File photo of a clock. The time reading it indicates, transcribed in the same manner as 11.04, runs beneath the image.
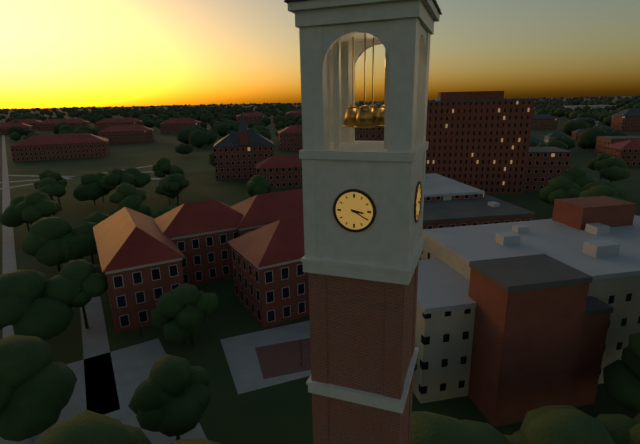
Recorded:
3.20
